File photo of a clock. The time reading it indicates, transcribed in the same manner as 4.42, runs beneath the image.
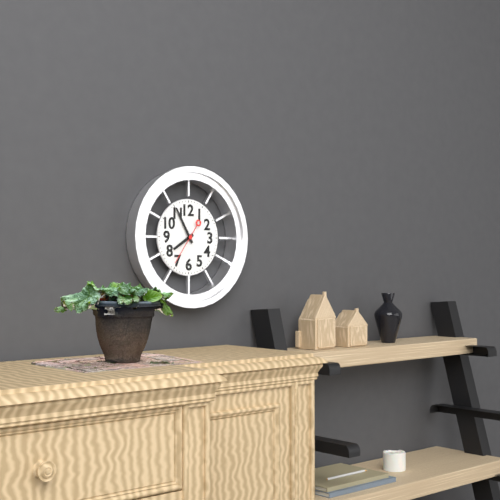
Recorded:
7.55
